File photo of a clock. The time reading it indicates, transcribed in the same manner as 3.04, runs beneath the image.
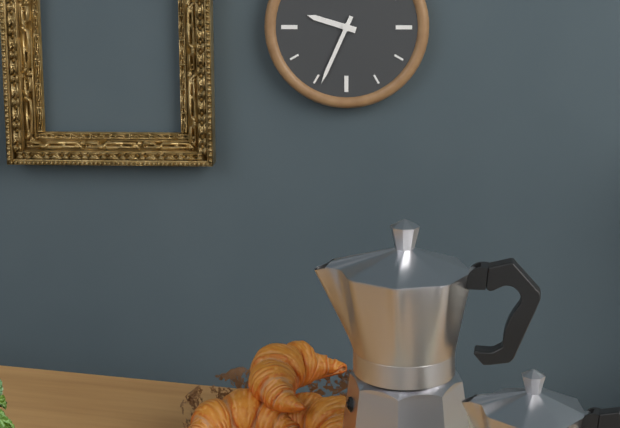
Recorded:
9.34
